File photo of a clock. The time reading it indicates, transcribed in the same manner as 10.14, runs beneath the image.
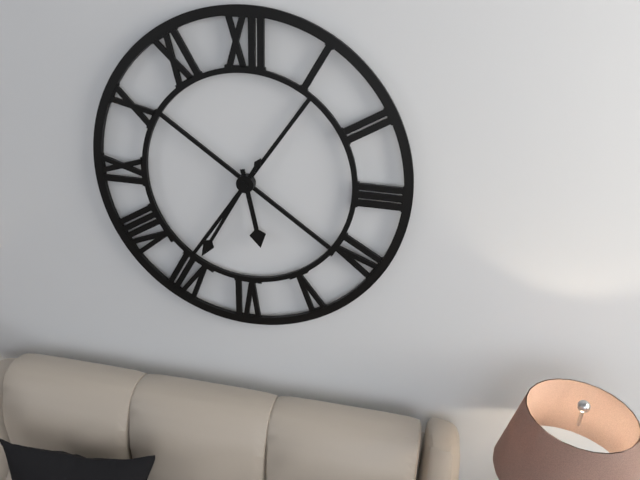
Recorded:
5.35
